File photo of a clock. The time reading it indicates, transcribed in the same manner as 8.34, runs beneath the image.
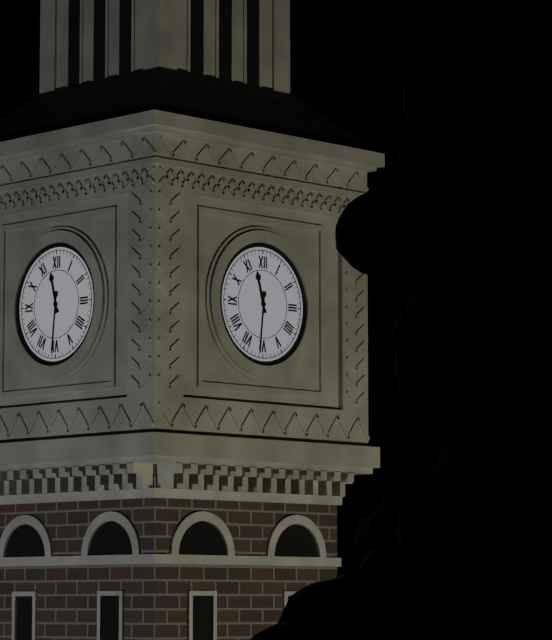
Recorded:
11.31
